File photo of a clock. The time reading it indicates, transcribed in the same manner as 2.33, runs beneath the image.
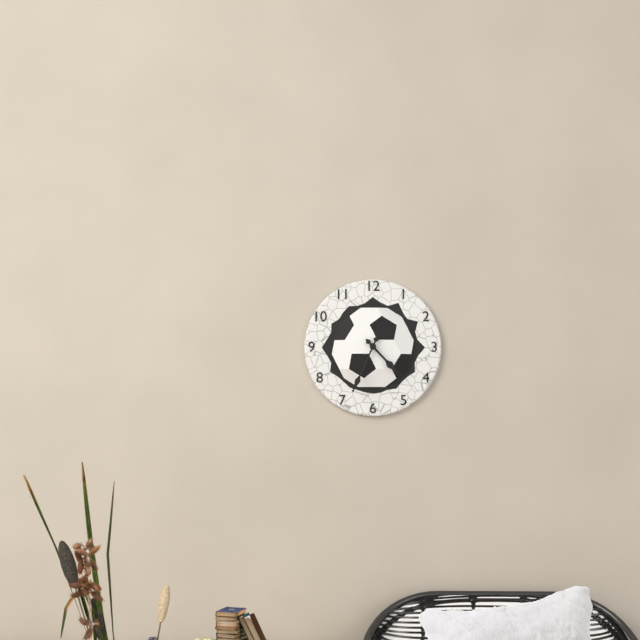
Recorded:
4.34
